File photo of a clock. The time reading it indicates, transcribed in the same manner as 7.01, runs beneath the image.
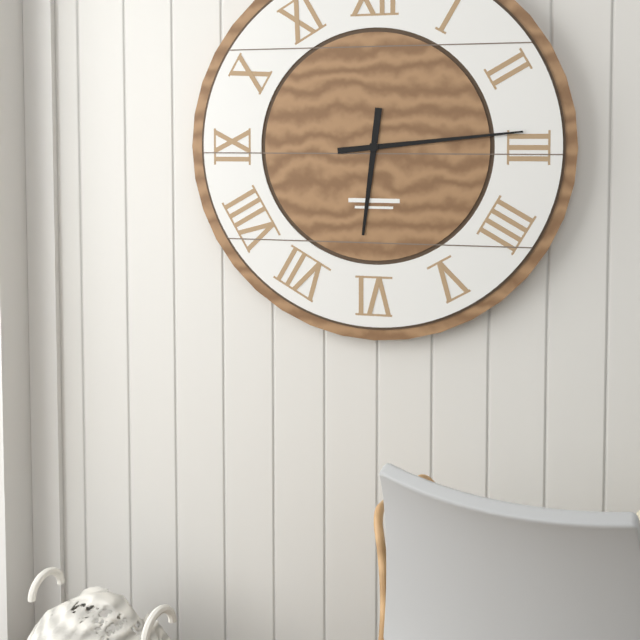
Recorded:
6.14
